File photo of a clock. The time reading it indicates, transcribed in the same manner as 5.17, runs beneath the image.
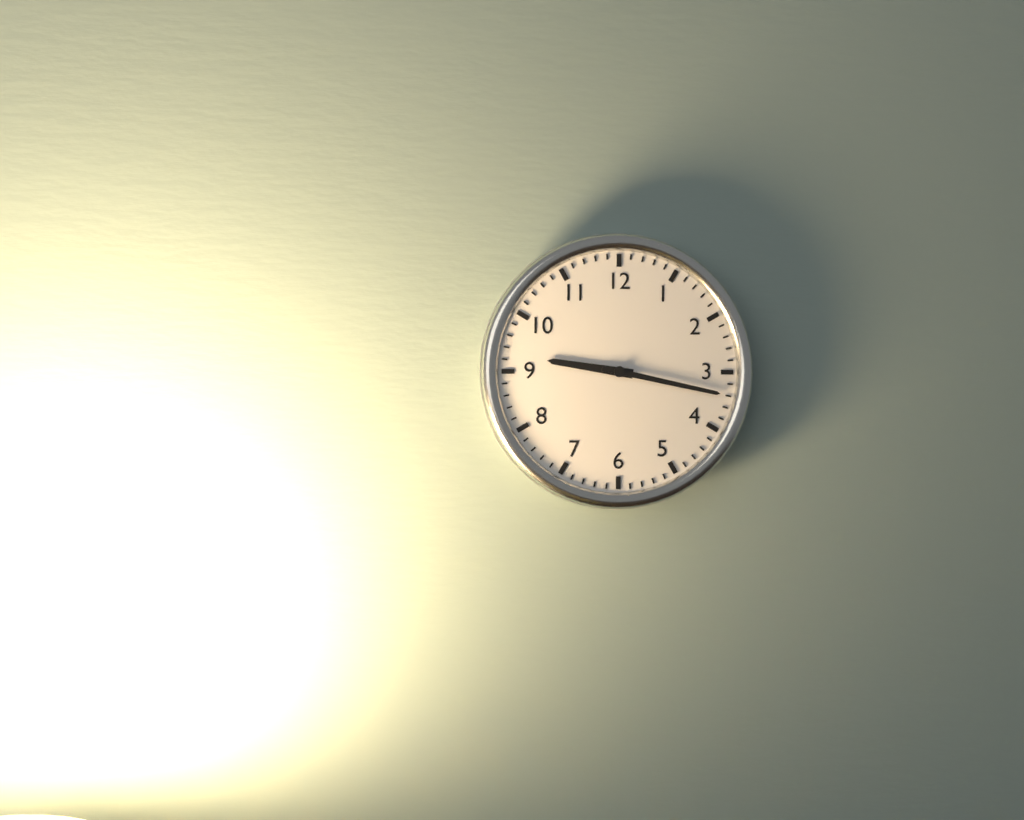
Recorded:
9.17
